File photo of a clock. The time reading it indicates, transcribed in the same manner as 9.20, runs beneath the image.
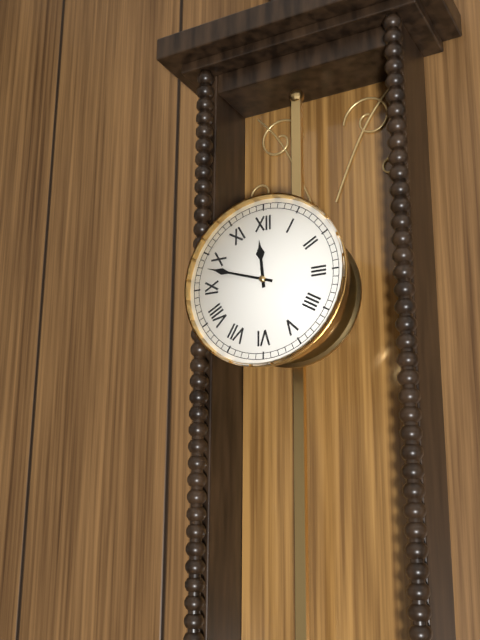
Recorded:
11.48
